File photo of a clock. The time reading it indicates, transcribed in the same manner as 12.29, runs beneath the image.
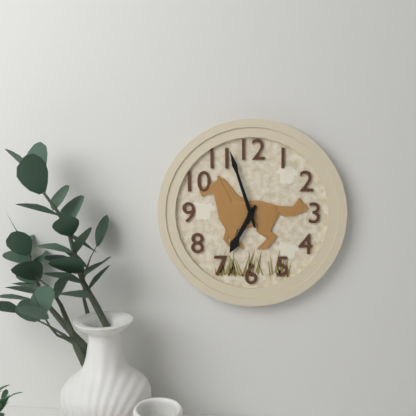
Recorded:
6.57
